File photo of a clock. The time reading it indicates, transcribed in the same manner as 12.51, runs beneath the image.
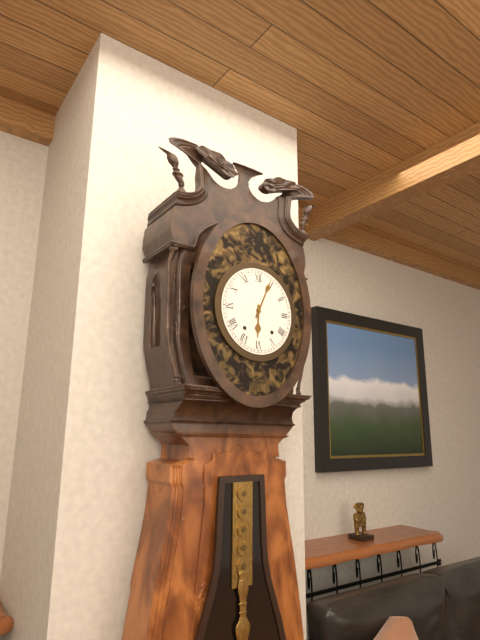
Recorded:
6.04
